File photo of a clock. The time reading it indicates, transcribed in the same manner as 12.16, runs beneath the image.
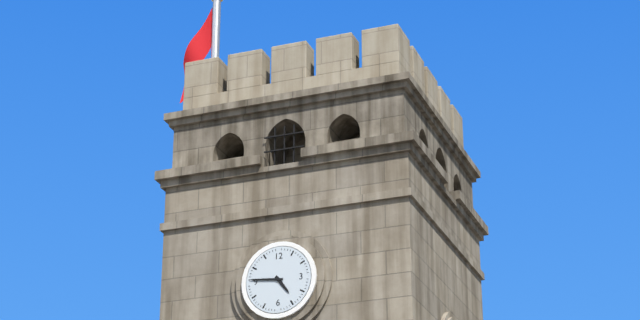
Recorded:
4.46
